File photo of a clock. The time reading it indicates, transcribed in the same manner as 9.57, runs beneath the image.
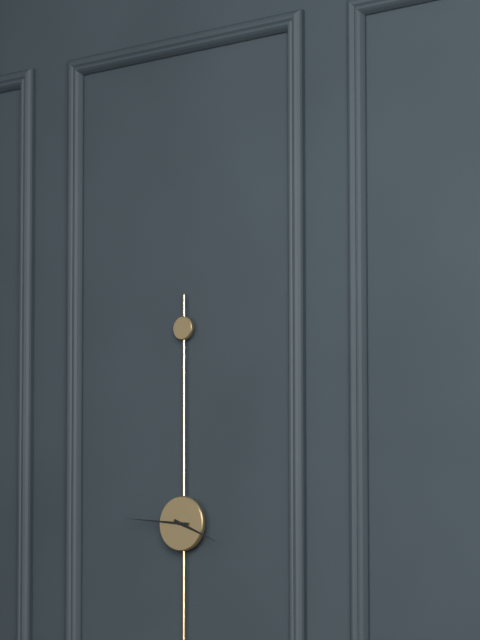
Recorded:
3.46
